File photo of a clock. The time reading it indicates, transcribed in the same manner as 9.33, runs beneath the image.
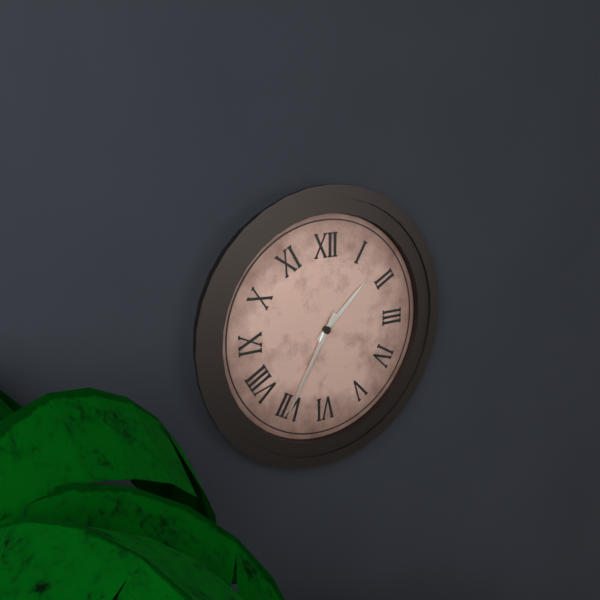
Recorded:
1.35
